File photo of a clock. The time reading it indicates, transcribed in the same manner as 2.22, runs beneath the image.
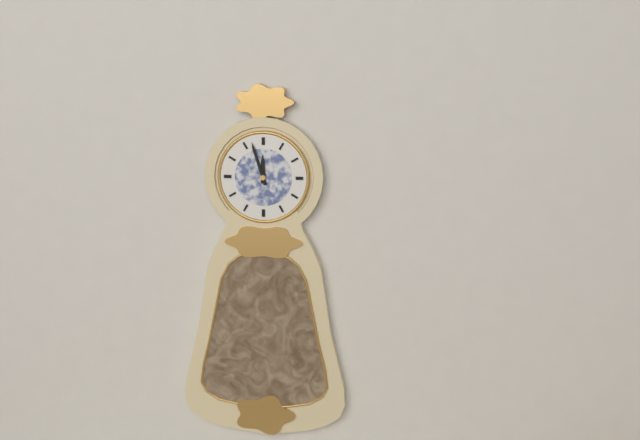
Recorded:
11.57
